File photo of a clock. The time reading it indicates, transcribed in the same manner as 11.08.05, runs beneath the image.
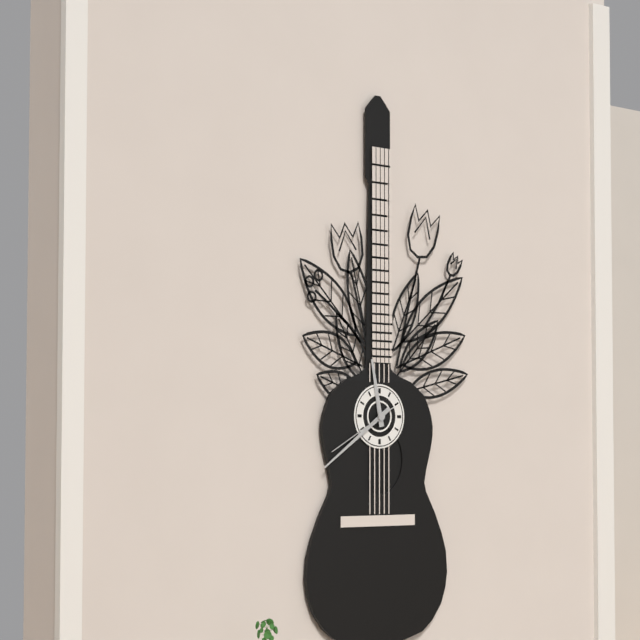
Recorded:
11.39.40
